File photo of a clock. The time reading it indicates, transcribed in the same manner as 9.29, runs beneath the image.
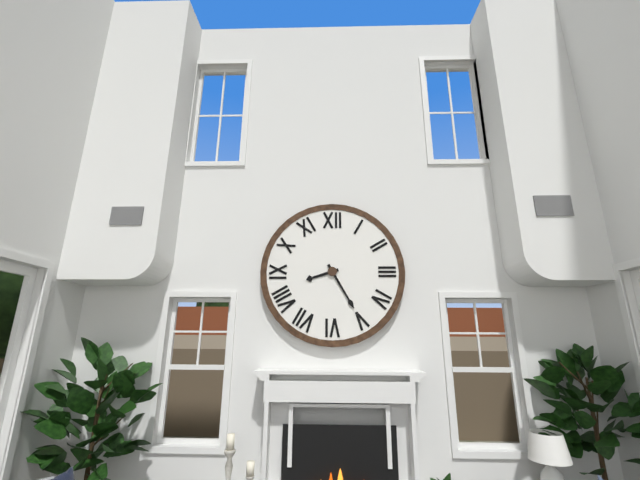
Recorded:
8.25
